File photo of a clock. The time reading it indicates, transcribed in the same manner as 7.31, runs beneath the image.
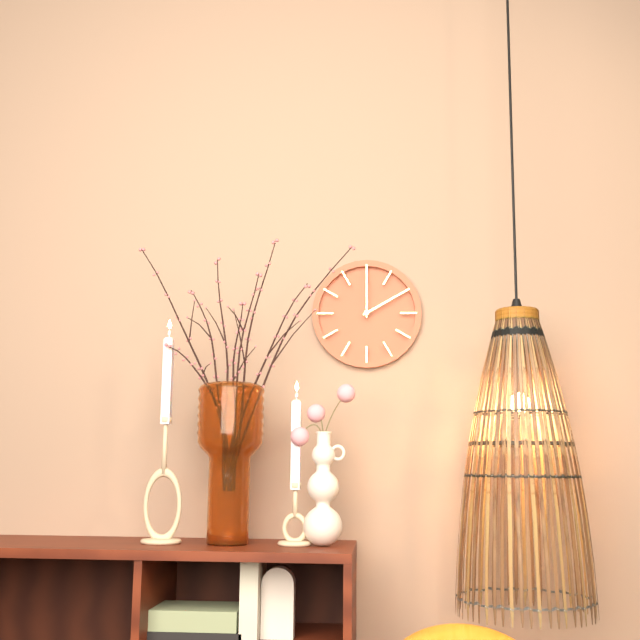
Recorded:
2.00
